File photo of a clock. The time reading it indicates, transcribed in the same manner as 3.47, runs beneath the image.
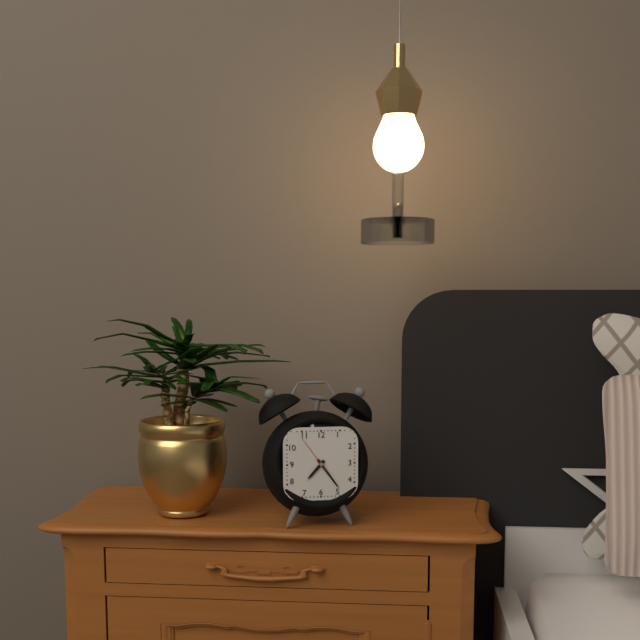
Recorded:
7.24
